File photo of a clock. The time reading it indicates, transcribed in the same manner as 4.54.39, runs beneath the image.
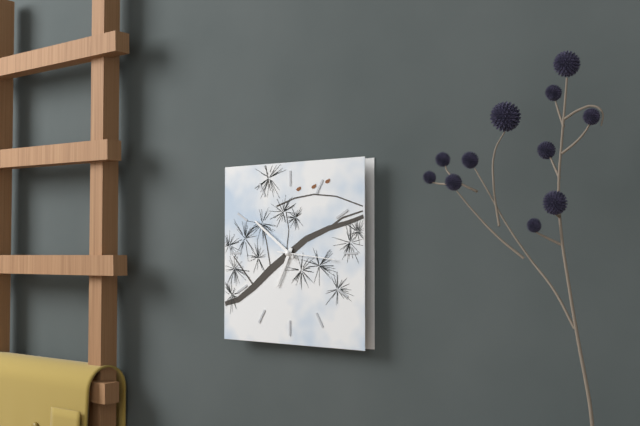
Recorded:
6.51.16
